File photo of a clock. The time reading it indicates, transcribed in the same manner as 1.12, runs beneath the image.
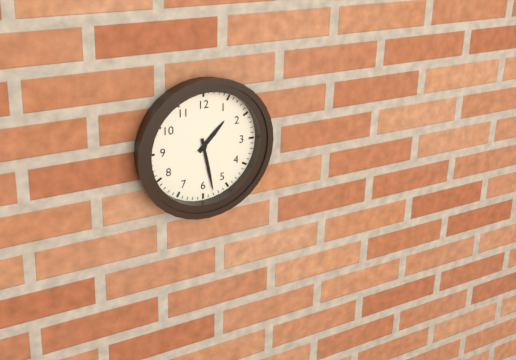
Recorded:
1.28
